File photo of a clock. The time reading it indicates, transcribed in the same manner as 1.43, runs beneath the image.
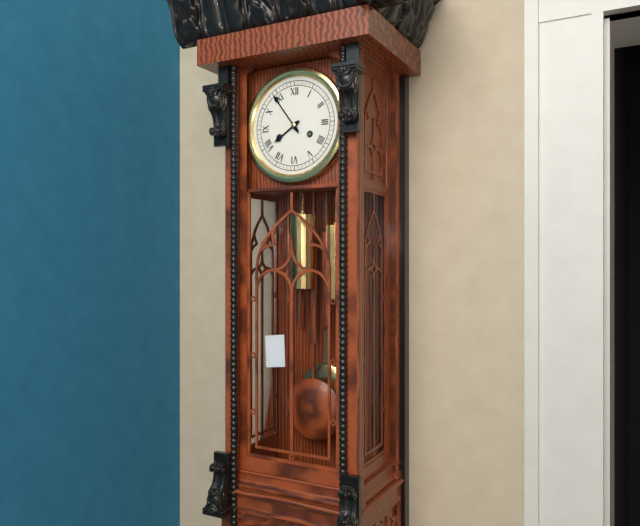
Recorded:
7.54
